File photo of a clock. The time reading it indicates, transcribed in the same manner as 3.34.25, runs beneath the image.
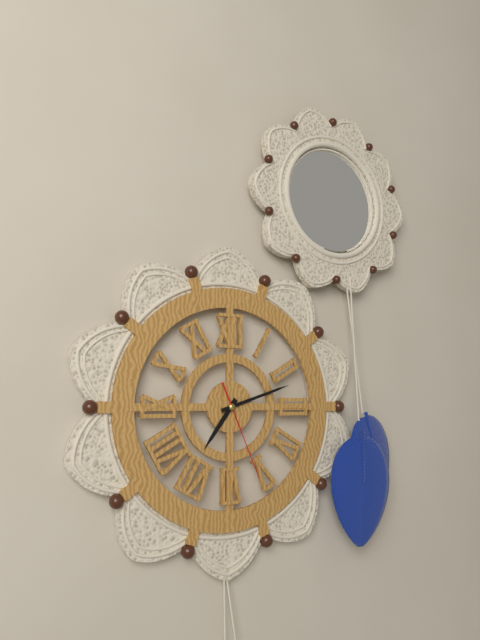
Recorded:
7.12.26
